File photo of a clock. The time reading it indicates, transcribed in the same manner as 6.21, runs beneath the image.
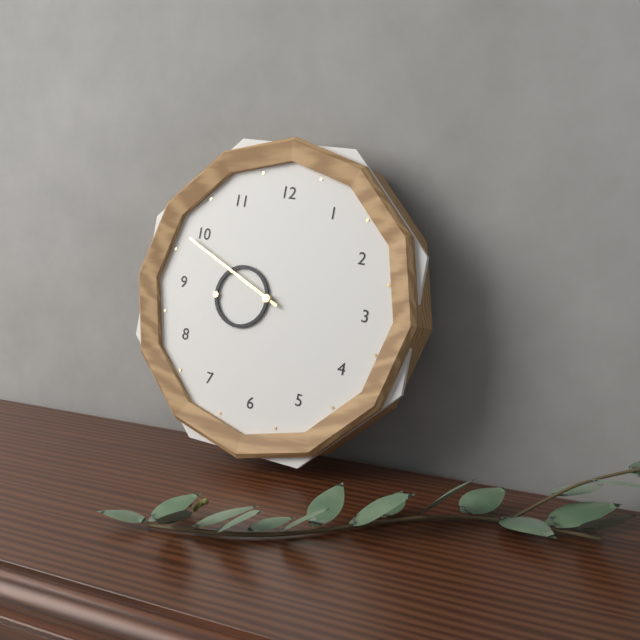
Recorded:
8.49
